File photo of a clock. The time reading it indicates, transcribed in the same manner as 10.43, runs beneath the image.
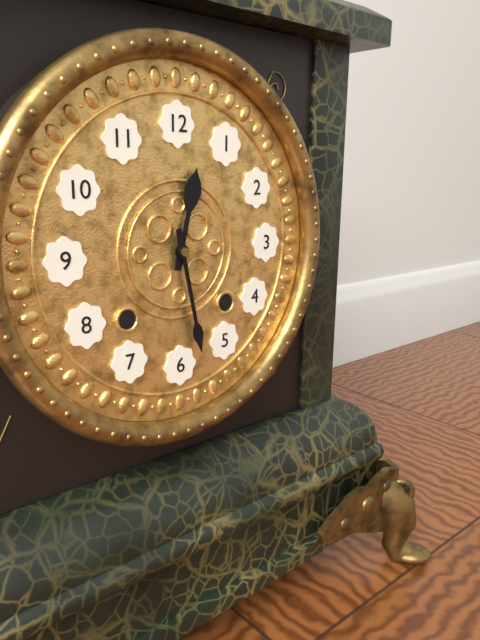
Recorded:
12.28
